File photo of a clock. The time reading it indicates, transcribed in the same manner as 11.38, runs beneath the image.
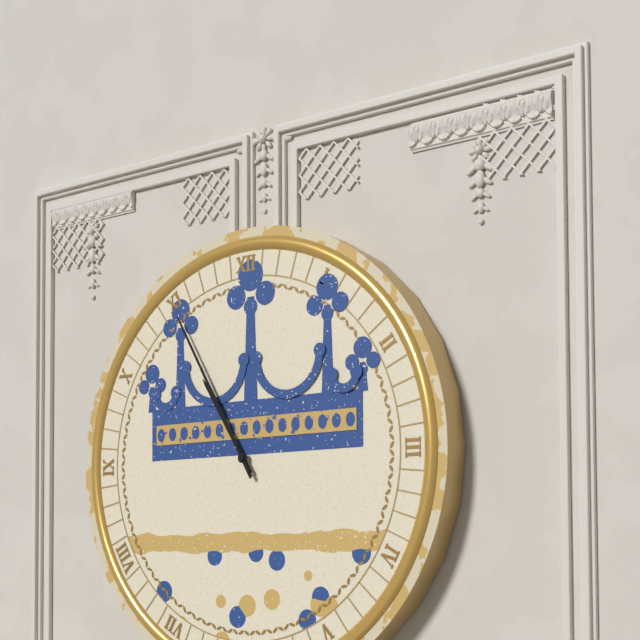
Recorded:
10.55
